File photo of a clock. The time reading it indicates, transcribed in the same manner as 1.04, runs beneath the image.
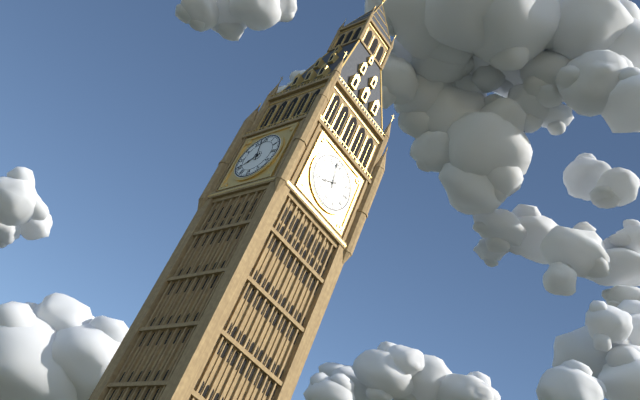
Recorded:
7.58
